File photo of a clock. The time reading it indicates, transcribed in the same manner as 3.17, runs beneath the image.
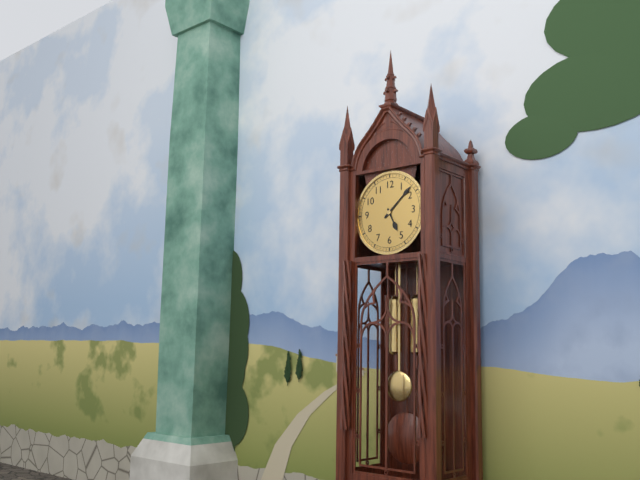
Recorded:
5.08
